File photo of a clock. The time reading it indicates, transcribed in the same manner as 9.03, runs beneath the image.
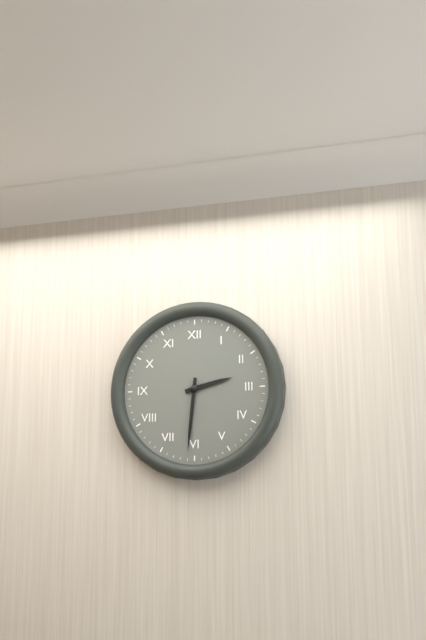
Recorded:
2.31
